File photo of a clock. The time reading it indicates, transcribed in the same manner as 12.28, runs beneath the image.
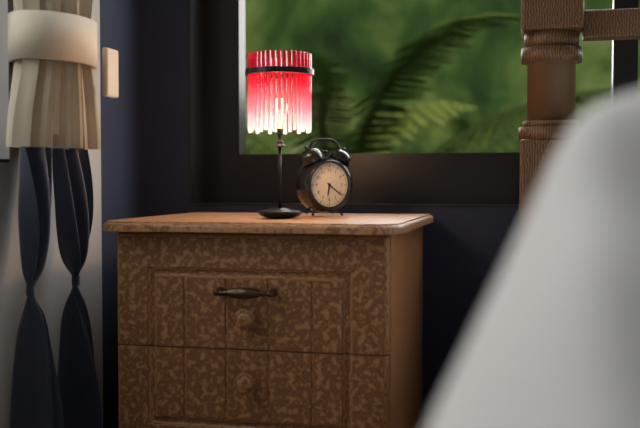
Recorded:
6.21
